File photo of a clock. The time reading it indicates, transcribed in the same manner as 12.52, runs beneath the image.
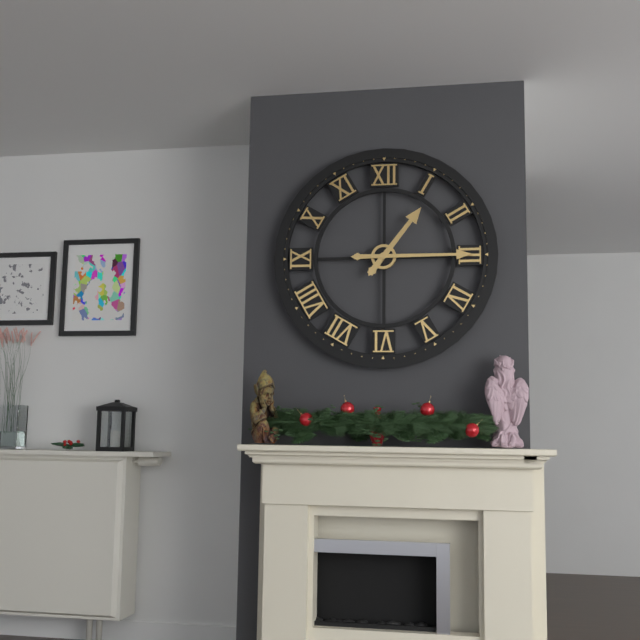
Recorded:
1.15
